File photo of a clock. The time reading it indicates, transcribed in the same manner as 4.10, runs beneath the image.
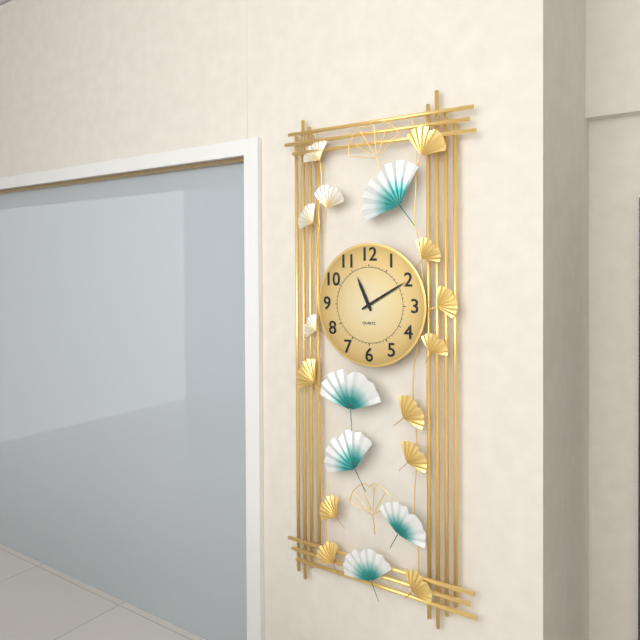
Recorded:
11.10
